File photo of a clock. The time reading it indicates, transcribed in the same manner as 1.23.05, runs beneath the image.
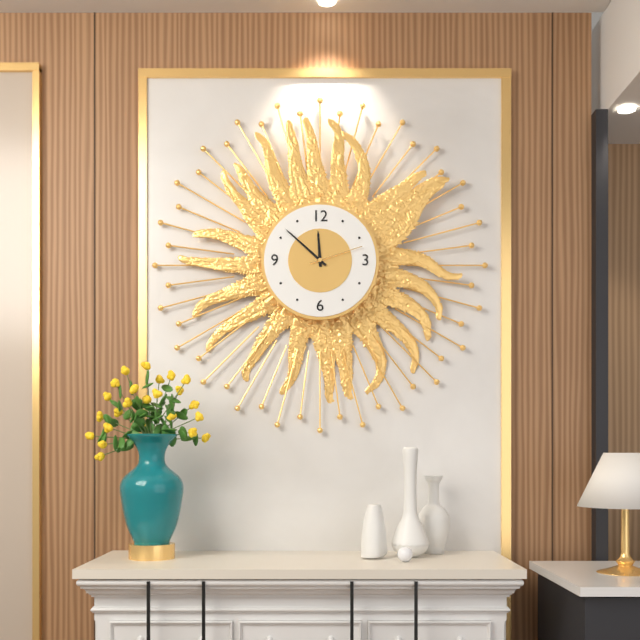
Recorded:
11.52.12
